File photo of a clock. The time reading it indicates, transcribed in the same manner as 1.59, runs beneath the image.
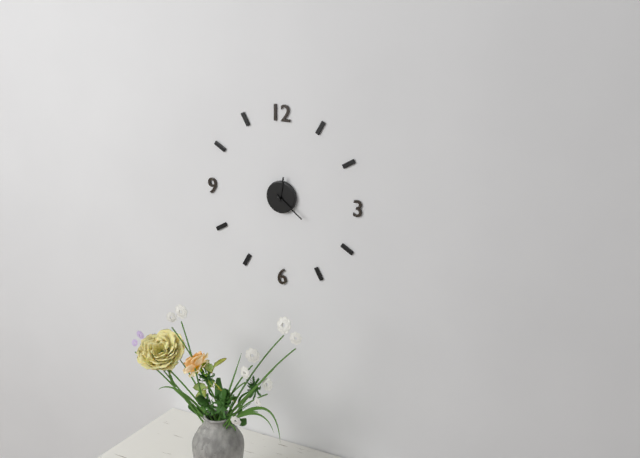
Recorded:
12.21
